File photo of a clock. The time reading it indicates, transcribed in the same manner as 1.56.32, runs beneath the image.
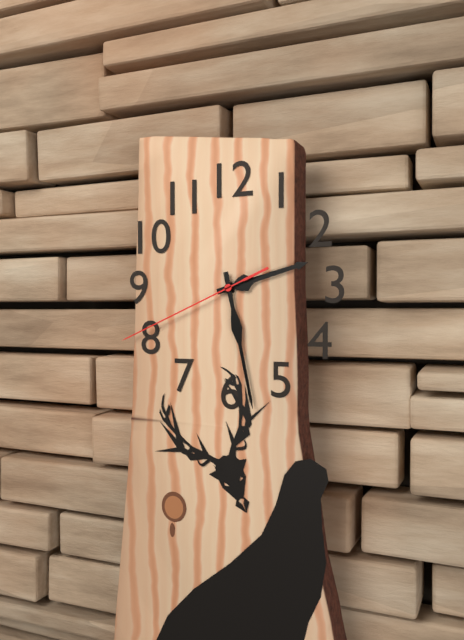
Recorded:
2.28.41
